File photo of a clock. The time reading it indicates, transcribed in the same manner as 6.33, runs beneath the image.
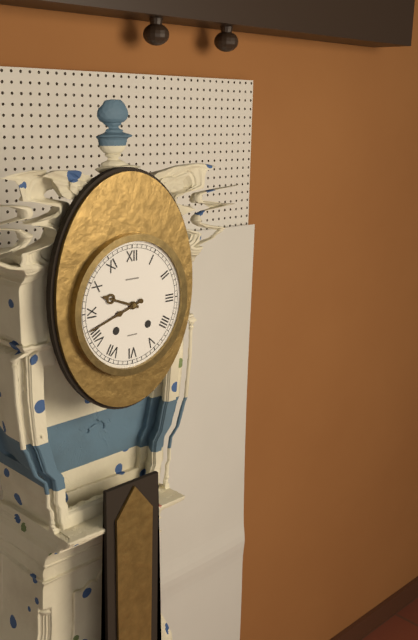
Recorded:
9.42
